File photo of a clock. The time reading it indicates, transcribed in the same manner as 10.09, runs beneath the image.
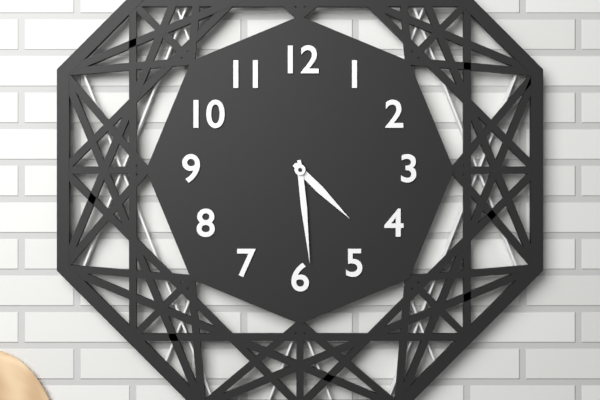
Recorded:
4.29
